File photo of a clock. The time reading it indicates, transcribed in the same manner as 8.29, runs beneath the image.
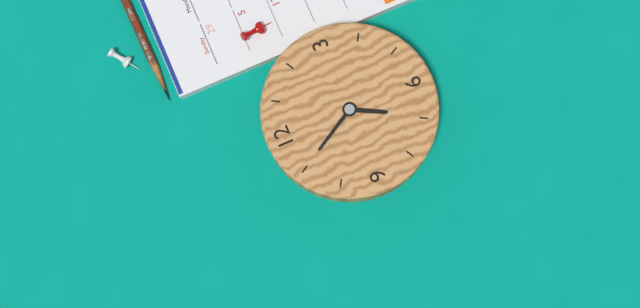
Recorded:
6.55
